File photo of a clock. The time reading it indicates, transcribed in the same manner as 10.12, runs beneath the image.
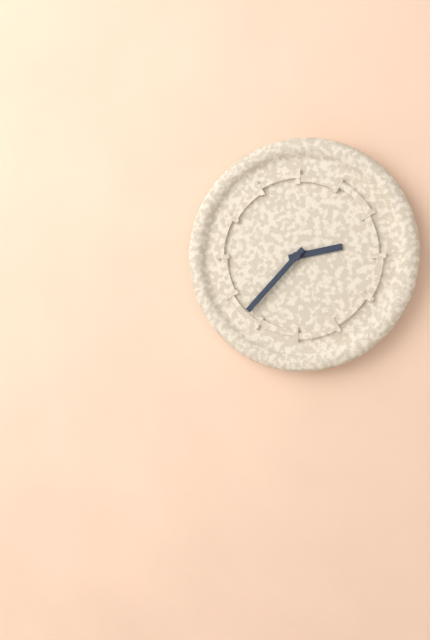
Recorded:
2.37
